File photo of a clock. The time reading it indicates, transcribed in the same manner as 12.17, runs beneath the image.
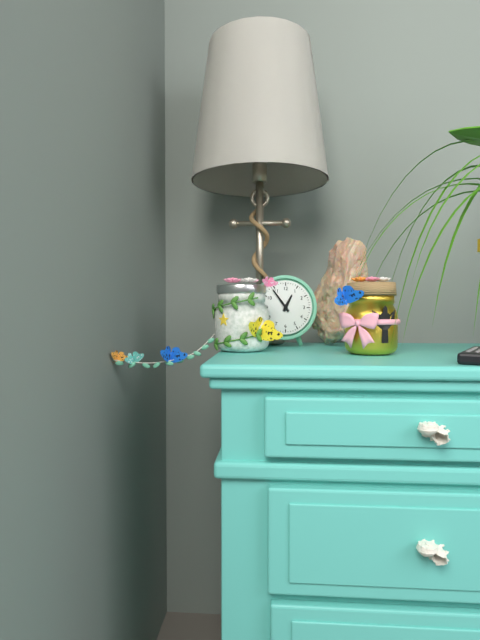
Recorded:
12.54
